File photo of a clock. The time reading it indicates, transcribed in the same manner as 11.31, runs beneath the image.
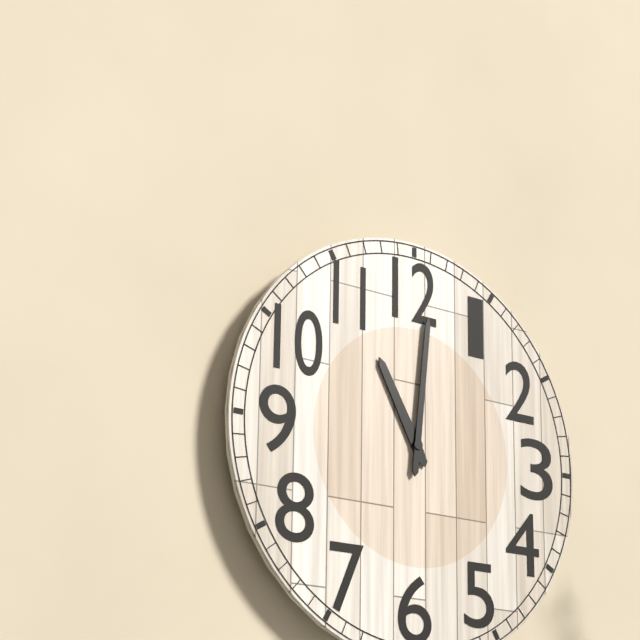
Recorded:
11.01
